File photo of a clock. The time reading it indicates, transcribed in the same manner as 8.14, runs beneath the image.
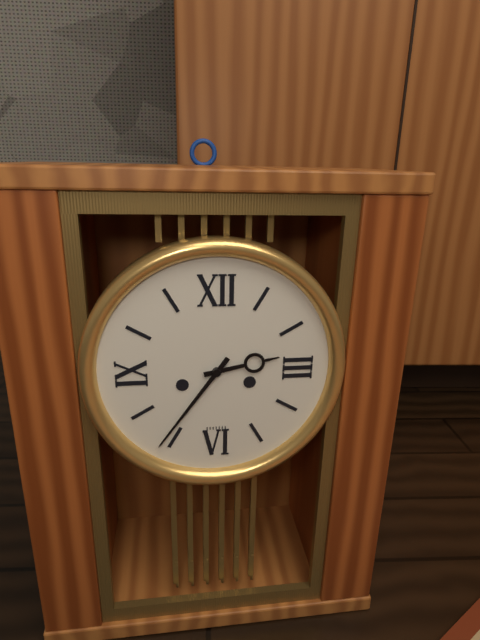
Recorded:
2.36
